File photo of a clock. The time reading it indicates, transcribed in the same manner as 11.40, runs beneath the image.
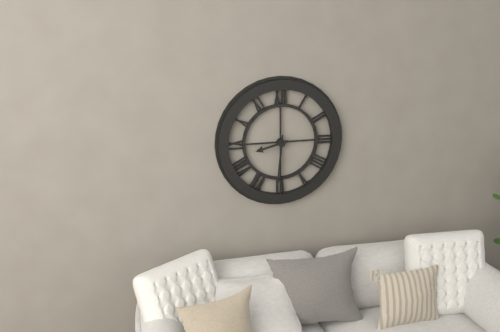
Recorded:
8.31
